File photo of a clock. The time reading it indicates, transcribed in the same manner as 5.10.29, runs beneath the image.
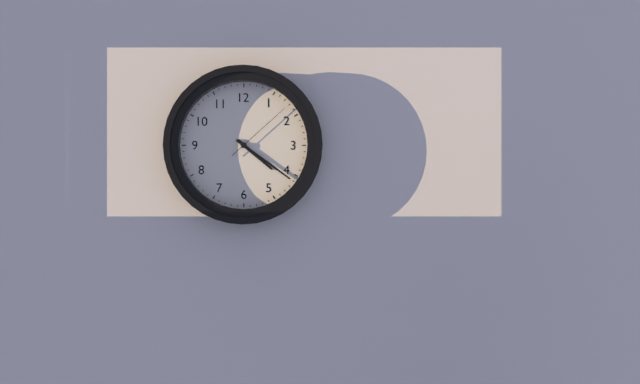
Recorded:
4.21.08
